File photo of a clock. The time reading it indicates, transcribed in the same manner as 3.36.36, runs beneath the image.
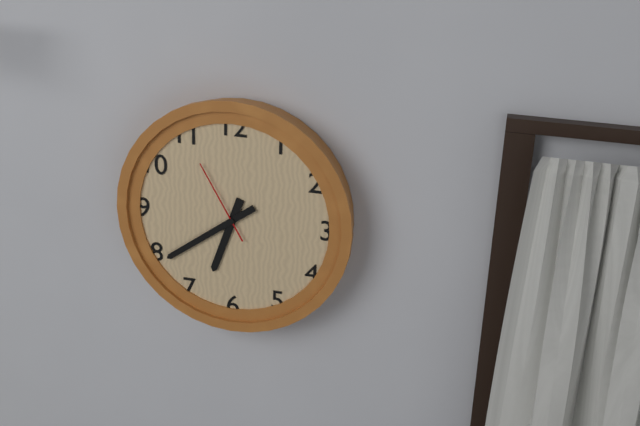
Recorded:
6.39.55
